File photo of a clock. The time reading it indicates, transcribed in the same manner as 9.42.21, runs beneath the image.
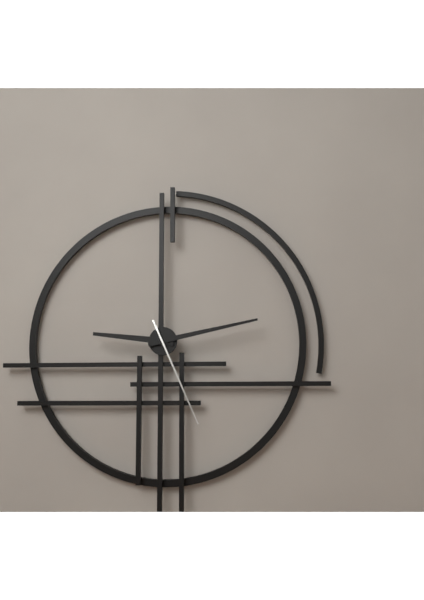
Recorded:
9.13.26
